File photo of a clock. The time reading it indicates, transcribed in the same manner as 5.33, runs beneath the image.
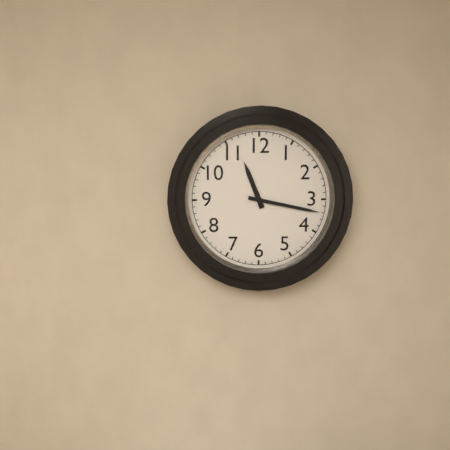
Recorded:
11.17
